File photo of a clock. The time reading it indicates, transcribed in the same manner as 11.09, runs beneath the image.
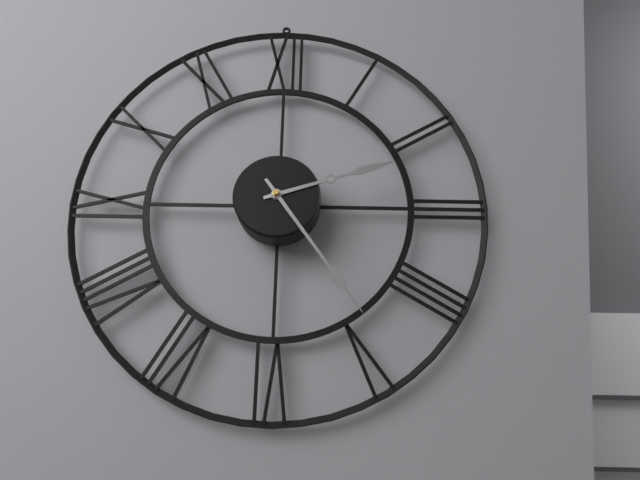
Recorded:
2.24
